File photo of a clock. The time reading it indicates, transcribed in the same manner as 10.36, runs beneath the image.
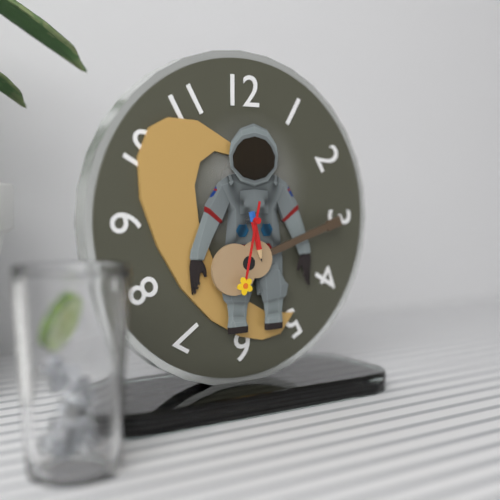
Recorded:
5.32
